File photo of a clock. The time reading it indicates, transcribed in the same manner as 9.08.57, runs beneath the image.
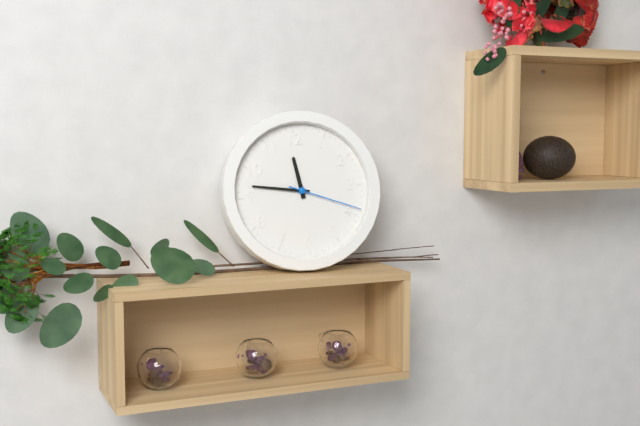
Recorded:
11.47.19
